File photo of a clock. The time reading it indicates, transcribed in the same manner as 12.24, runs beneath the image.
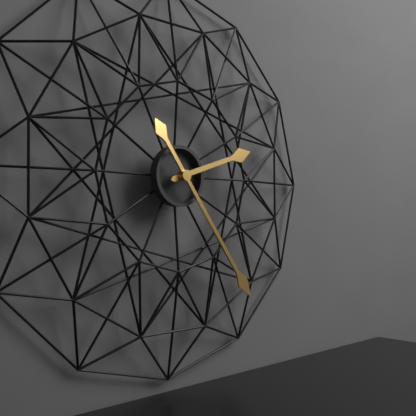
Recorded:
2.24
